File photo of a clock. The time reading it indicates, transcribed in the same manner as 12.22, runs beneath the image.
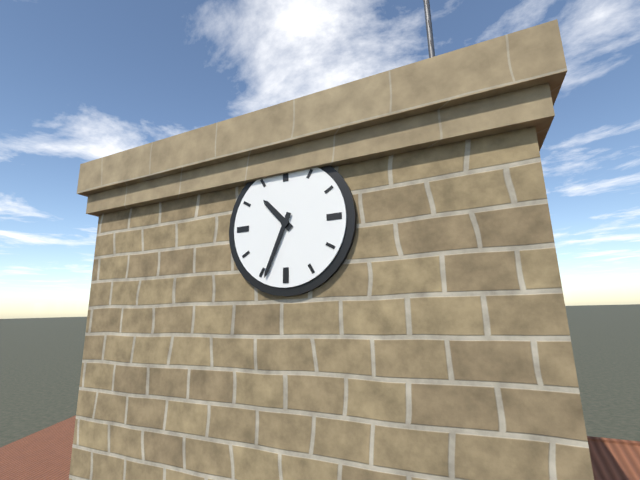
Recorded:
10.34
